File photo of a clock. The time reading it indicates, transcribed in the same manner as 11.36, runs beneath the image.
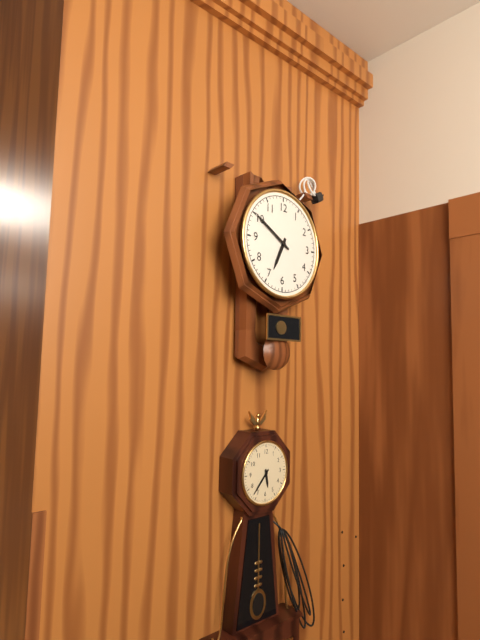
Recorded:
6.50
